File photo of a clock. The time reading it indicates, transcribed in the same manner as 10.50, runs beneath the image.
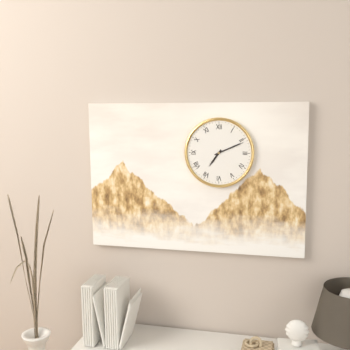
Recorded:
7.11
